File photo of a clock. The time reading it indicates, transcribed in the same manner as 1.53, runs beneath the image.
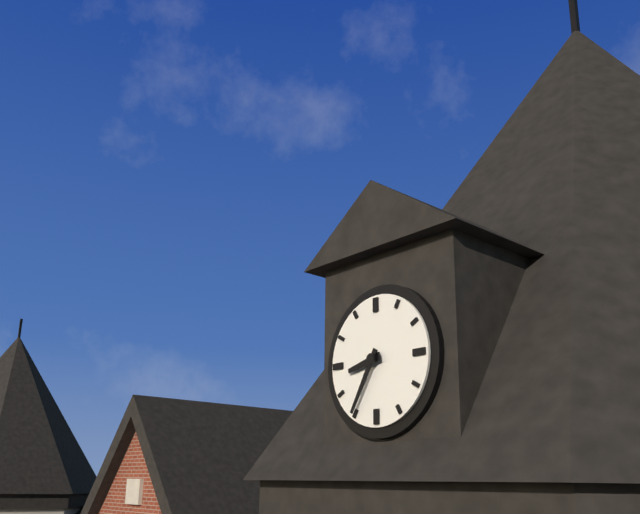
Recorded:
8.35
